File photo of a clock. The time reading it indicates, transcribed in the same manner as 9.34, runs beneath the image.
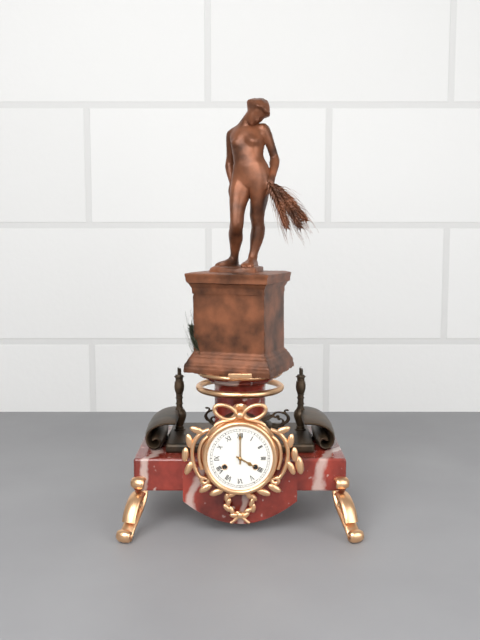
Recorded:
4.00
